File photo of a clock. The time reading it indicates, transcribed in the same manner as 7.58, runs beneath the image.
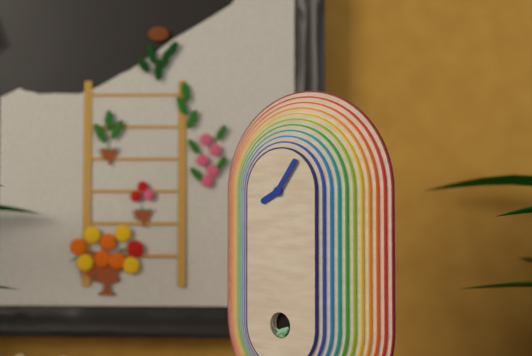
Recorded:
8.06
